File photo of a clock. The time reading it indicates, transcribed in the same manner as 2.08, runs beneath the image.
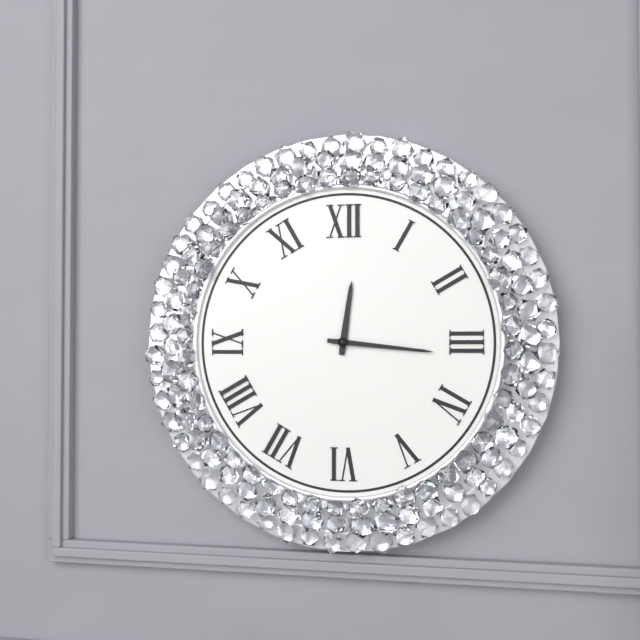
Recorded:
12.16
